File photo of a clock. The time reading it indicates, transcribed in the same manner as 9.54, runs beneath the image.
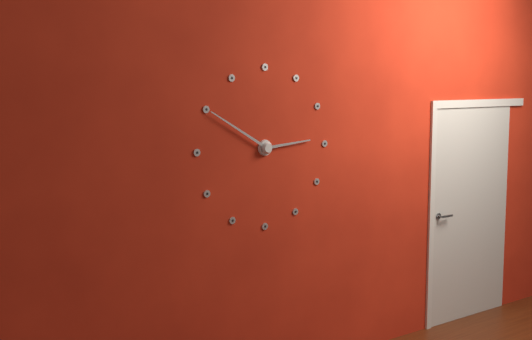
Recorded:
2.50
